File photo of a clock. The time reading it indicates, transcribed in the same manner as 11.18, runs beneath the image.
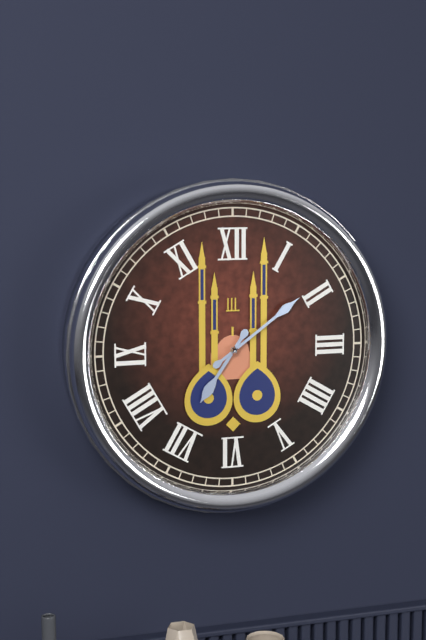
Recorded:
7.09
